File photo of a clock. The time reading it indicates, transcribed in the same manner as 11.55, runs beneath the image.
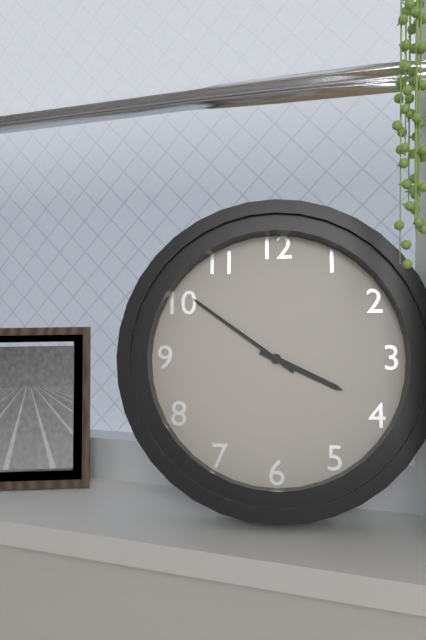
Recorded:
3.51
